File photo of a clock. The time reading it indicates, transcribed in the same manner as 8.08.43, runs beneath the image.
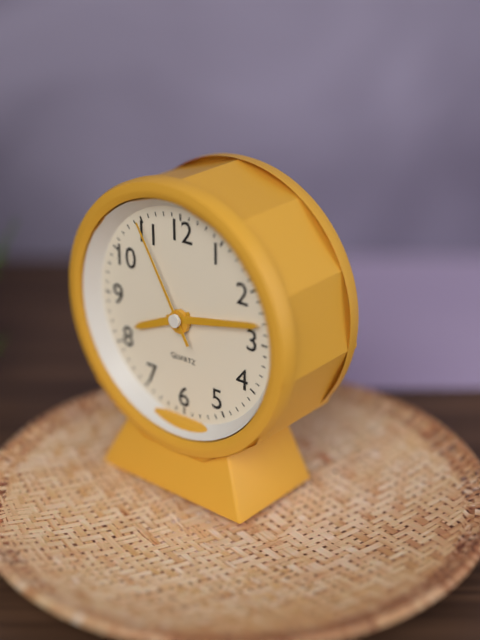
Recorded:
8.13.55
